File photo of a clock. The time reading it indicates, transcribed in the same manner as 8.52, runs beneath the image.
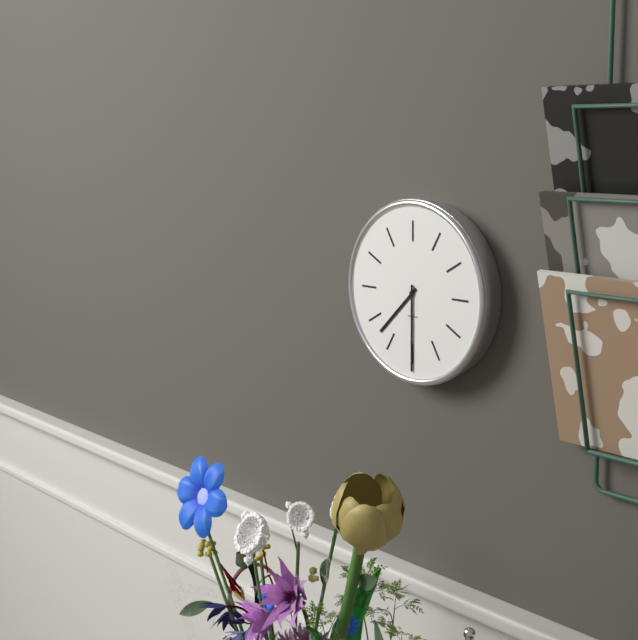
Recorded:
7.30
